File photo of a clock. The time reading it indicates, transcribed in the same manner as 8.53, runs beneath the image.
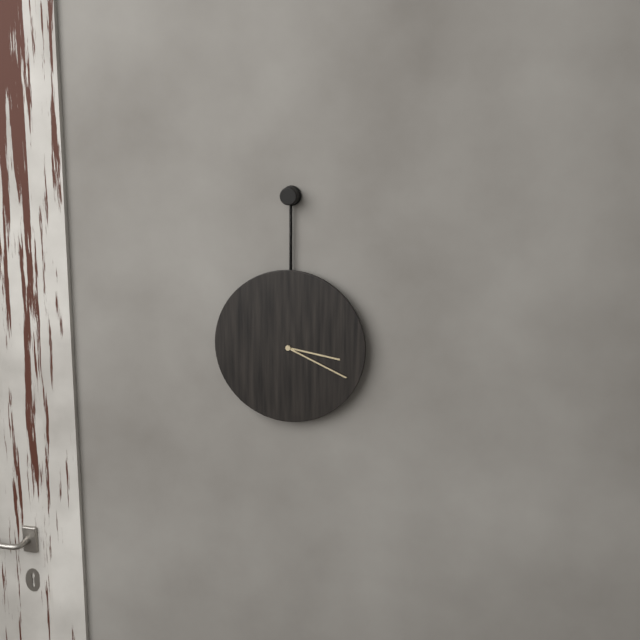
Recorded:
3.19
